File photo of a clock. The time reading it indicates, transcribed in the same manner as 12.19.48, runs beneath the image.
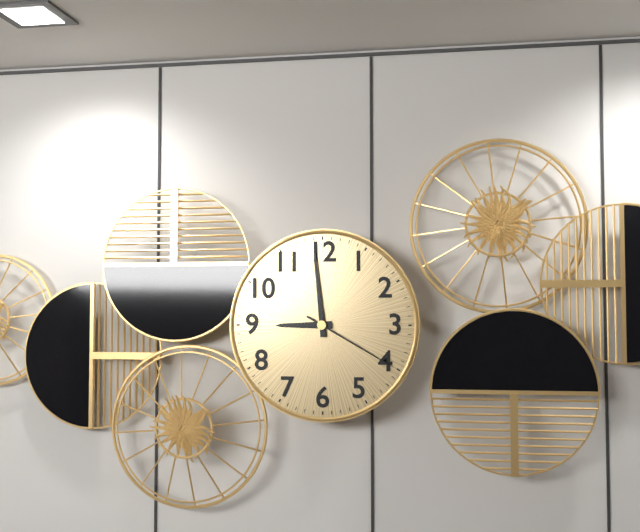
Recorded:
8.59.20
